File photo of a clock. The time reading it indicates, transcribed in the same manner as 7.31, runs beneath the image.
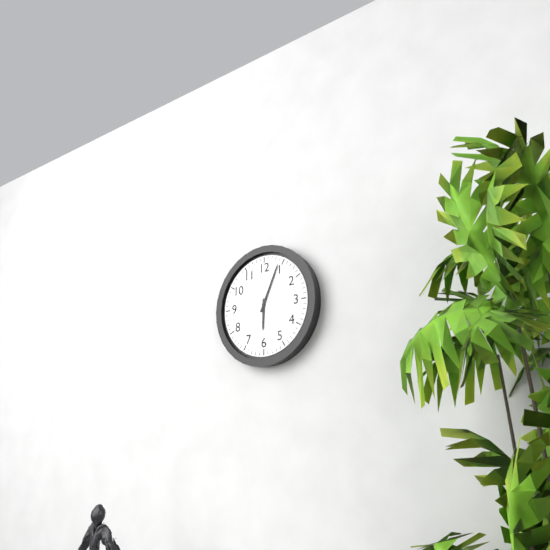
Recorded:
6.04
